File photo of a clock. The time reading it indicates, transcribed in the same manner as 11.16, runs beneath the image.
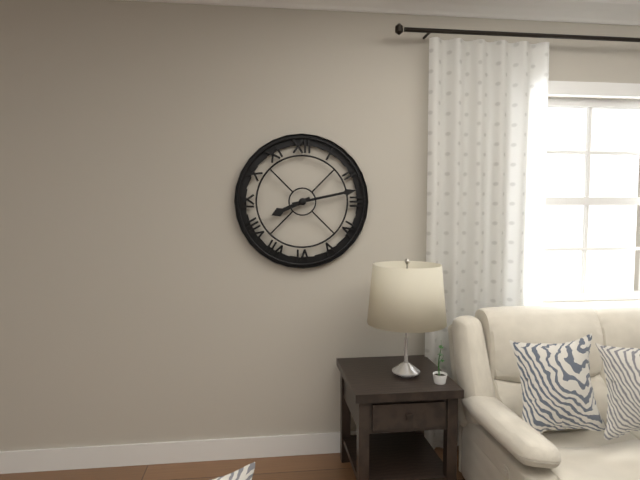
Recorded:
8.13
